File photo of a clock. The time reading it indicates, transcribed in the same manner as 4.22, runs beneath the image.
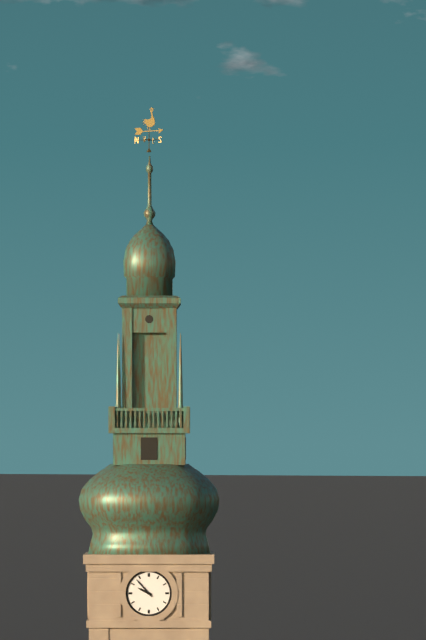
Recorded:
9.53
